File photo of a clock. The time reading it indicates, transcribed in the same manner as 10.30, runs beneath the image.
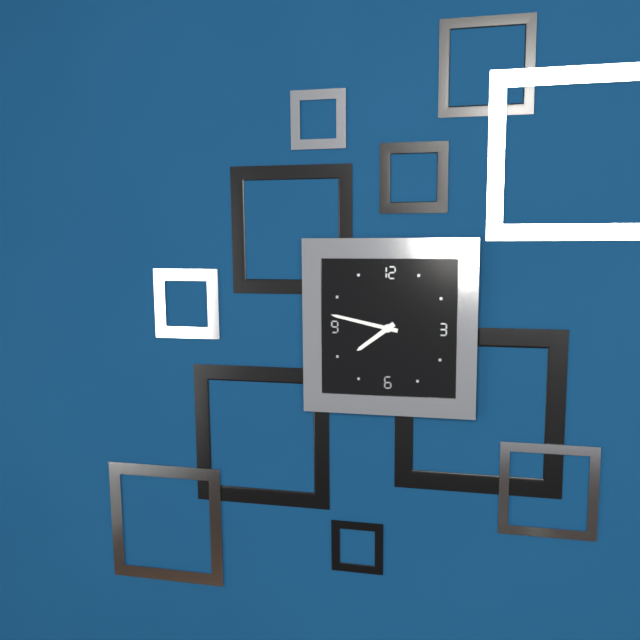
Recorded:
7.47
